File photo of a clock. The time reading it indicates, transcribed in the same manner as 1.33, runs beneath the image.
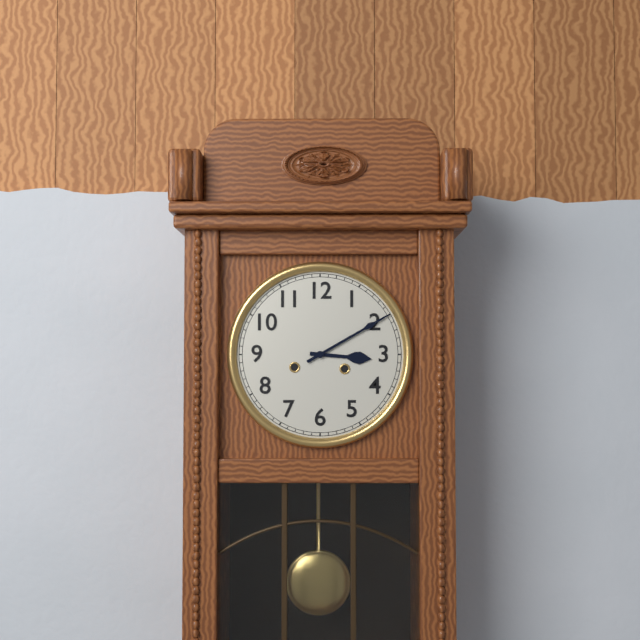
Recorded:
3.10
